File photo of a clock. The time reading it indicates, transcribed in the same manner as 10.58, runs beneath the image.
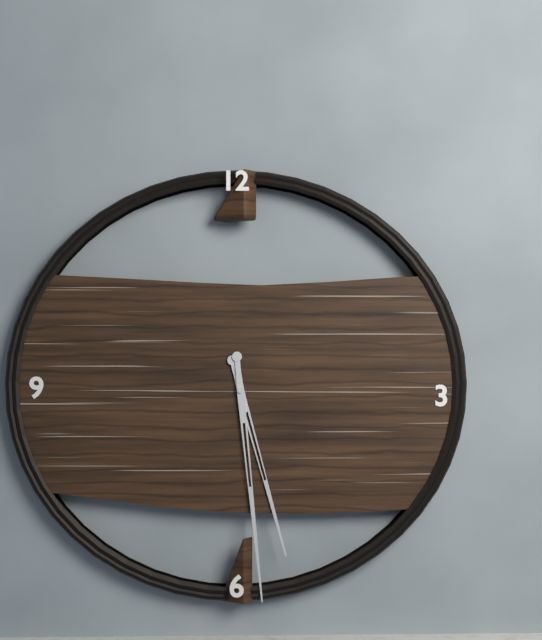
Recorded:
5.29
